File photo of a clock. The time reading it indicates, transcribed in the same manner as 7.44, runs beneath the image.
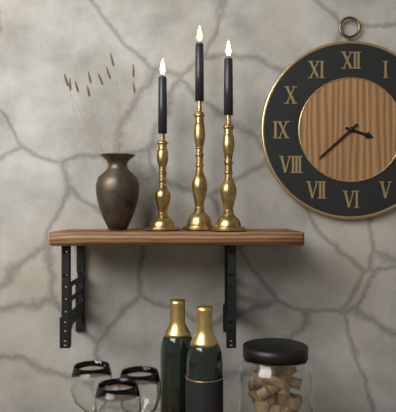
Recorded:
3.38
